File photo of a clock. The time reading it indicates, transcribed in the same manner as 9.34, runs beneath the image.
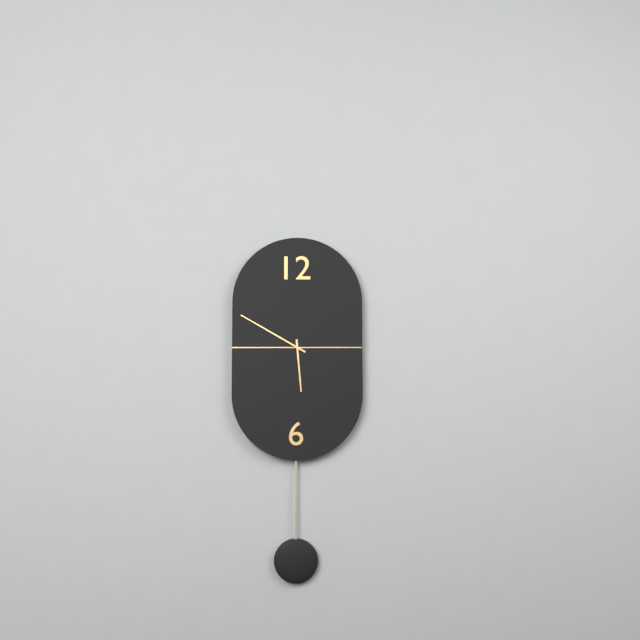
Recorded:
5.50
